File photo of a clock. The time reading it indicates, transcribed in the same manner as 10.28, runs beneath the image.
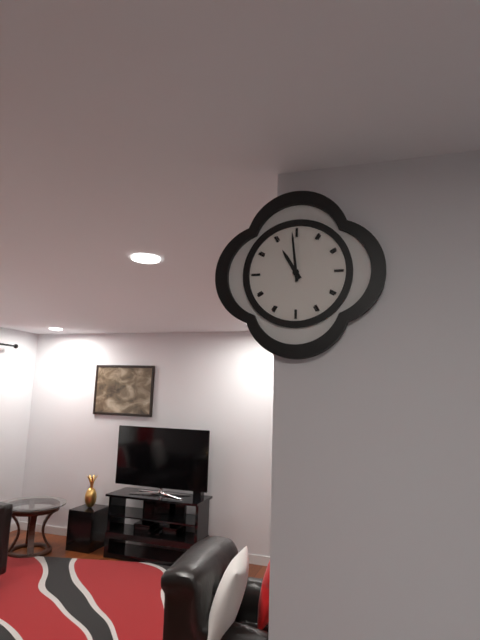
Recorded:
10.59
